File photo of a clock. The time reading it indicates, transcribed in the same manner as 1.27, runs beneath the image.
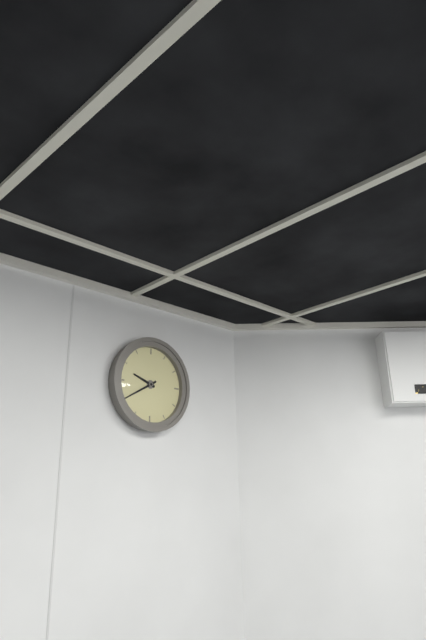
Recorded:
9.40
